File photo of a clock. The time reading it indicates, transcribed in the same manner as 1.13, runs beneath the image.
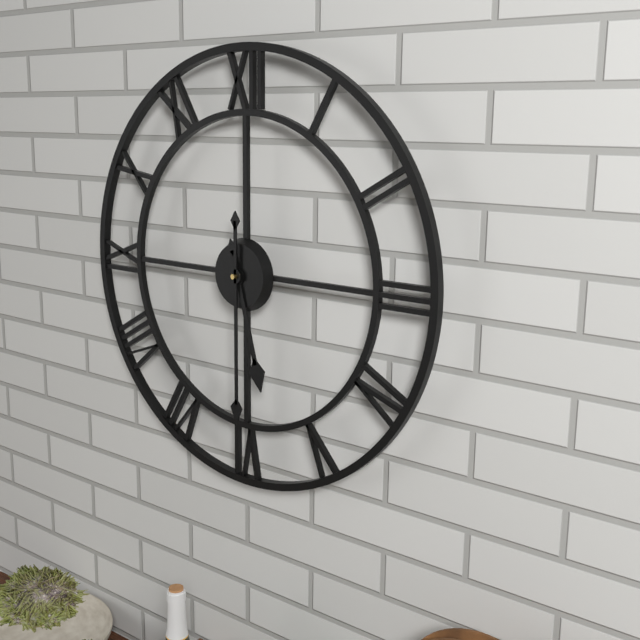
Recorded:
5.30
